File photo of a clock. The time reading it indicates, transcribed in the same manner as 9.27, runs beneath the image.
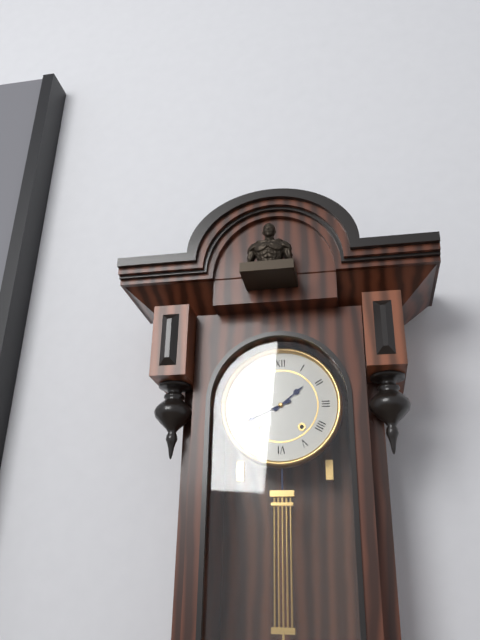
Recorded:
1.41
